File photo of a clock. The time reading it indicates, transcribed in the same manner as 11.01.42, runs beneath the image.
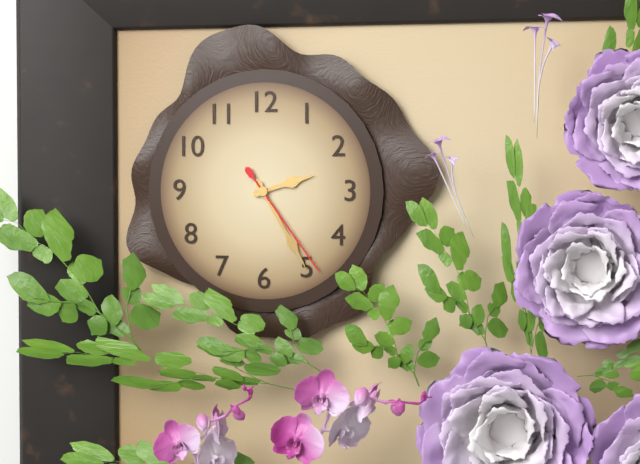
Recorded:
2.25.24
